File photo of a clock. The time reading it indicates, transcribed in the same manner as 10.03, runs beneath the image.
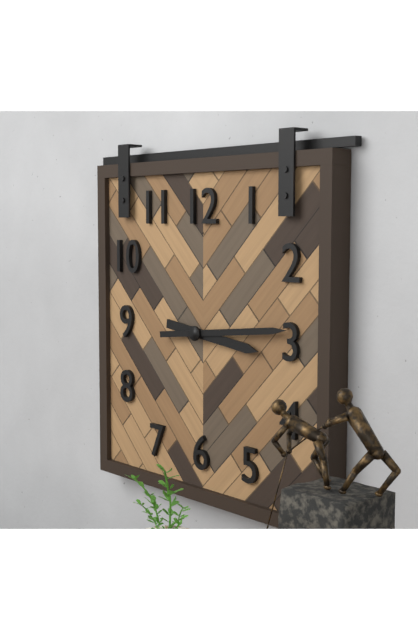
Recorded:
3.14
